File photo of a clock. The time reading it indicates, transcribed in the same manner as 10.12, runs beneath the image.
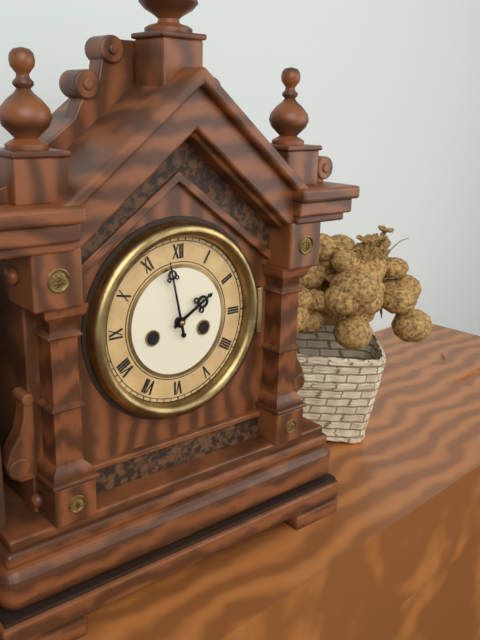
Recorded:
1.58
